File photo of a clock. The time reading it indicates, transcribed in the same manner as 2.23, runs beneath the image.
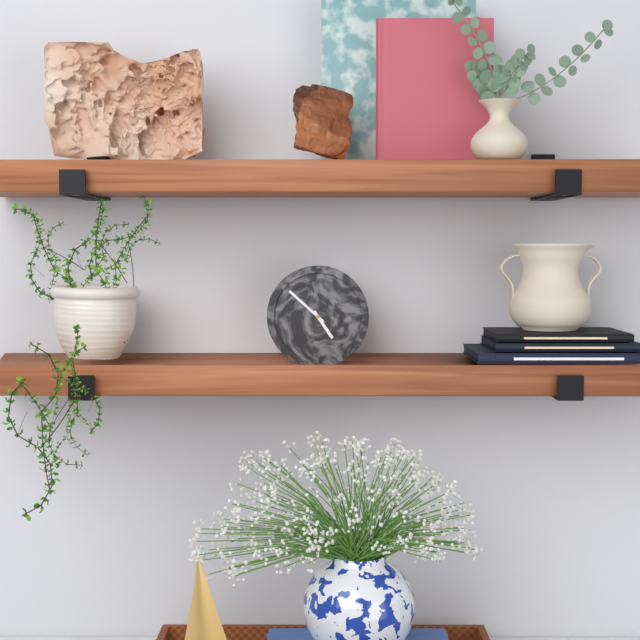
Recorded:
4.52
